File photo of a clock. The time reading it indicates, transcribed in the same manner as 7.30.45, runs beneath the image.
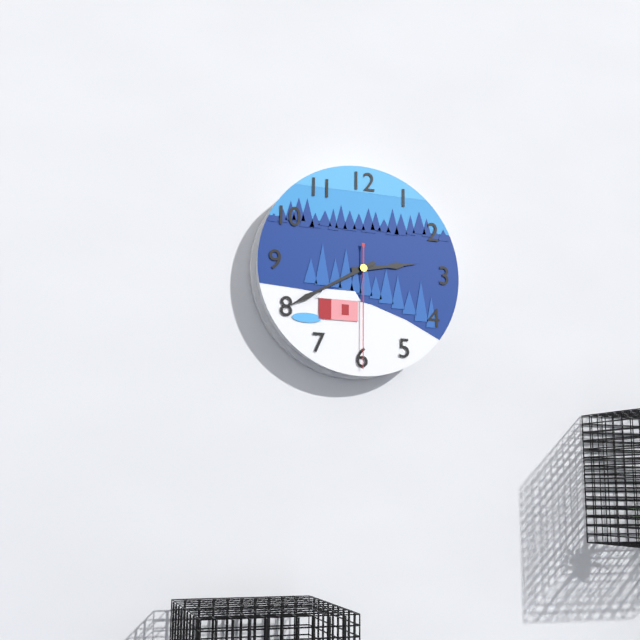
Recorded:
2.40.30
